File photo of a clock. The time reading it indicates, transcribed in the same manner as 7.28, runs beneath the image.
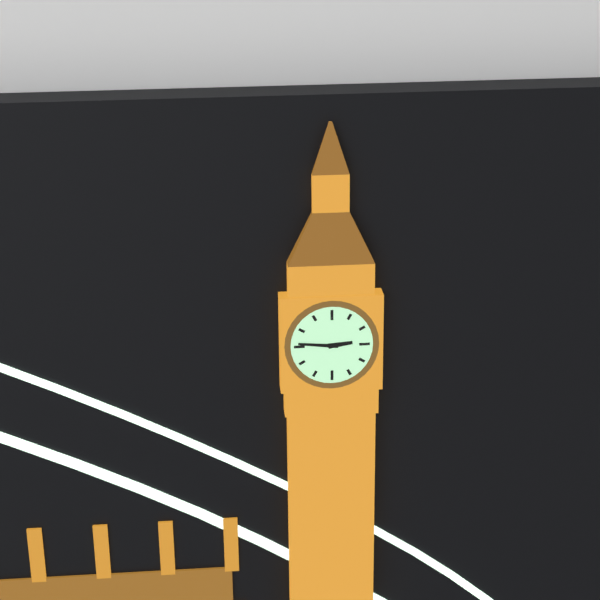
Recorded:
2.46
